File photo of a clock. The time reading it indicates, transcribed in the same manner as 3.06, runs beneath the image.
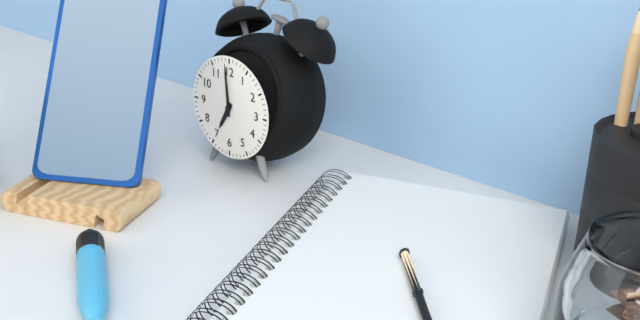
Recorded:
6.59
